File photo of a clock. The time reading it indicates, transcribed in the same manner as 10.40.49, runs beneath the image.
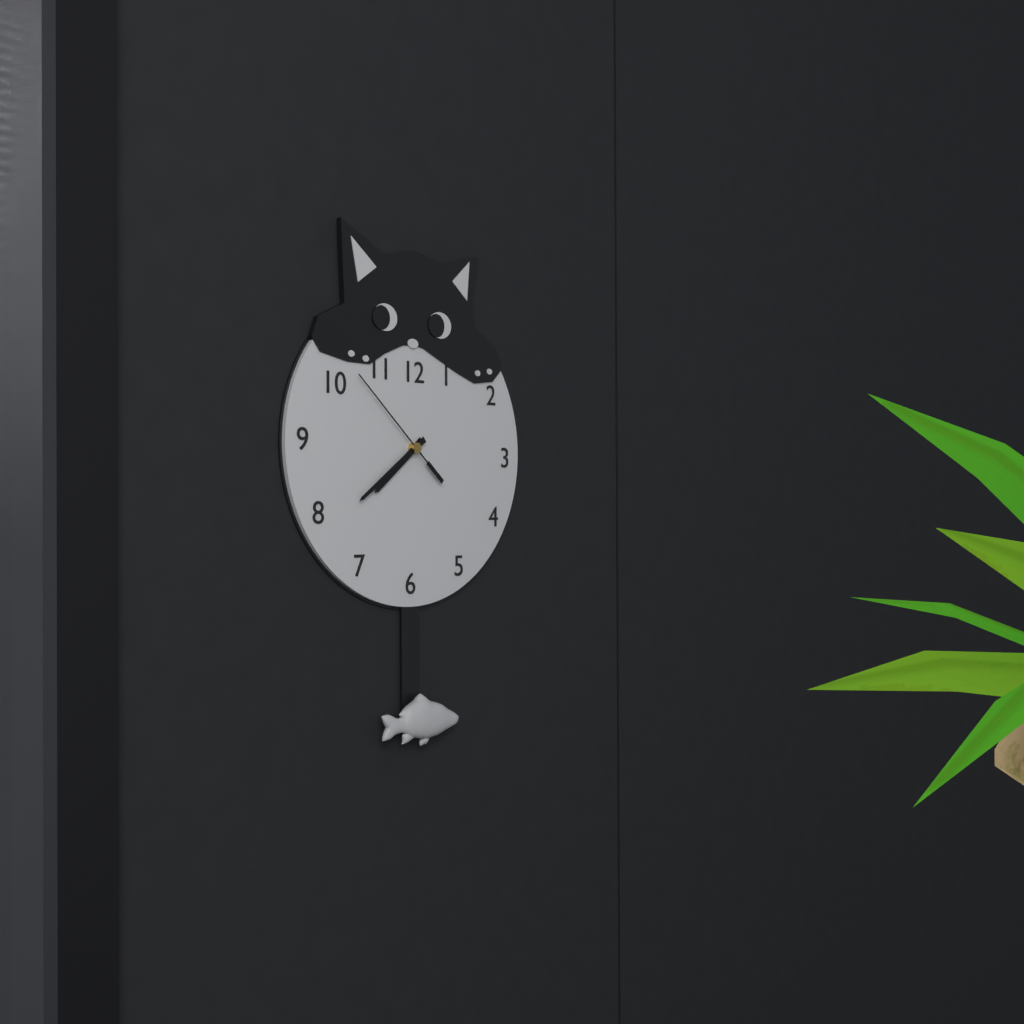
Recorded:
7.39.52
